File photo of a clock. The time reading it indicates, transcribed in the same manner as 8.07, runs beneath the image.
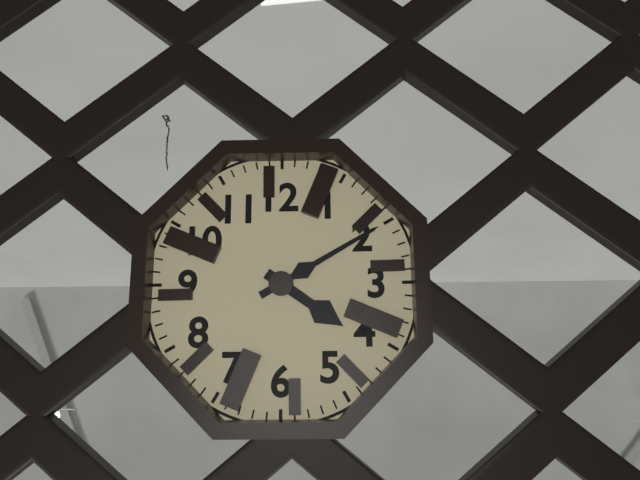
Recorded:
4.10
